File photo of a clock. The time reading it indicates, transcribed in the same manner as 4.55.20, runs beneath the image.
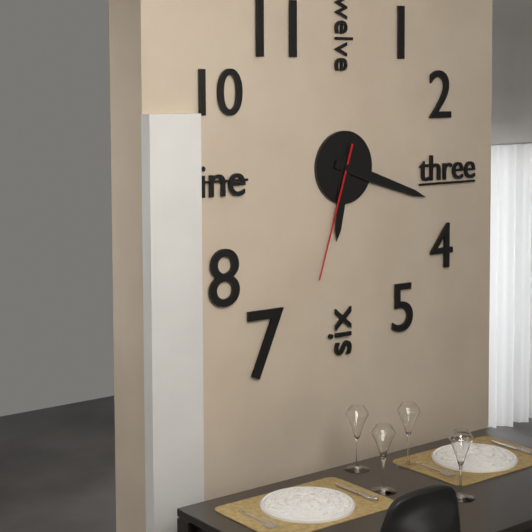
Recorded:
6.18.33
